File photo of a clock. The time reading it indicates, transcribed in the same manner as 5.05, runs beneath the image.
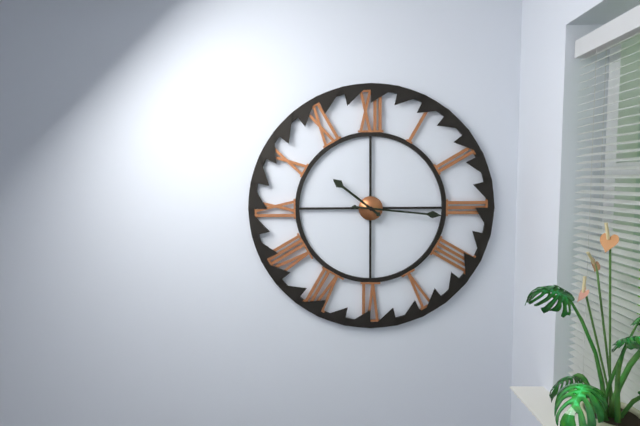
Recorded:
10.16
